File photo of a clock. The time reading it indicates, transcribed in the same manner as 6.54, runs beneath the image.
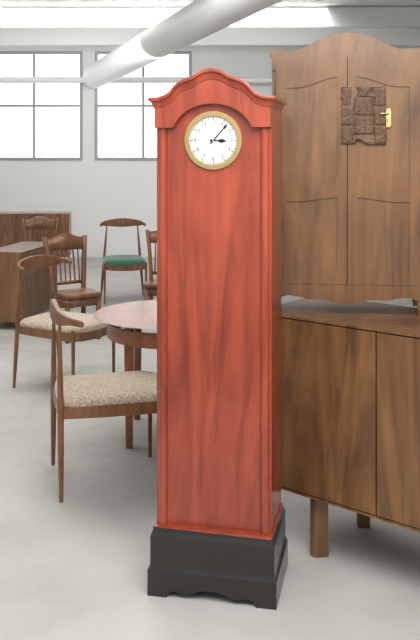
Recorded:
3.07
